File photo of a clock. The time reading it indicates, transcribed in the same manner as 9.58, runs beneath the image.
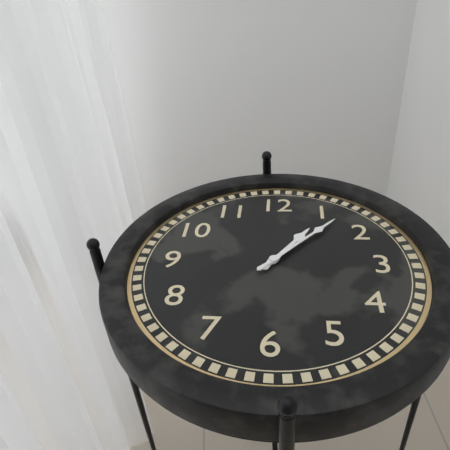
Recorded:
1.07
